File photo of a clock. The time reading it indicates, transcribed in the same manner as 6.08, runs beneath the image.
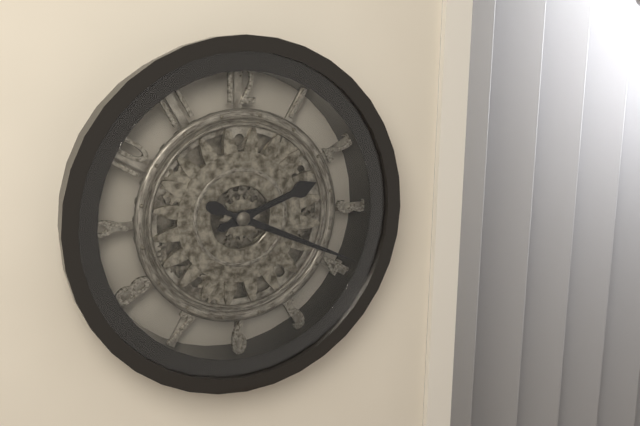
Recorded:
2.19
